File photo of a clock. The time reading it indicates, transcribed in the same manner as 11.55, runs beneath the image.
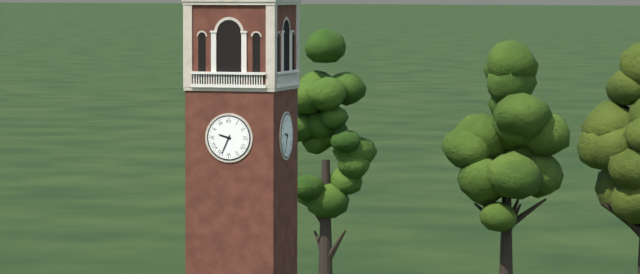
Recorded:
9.34
